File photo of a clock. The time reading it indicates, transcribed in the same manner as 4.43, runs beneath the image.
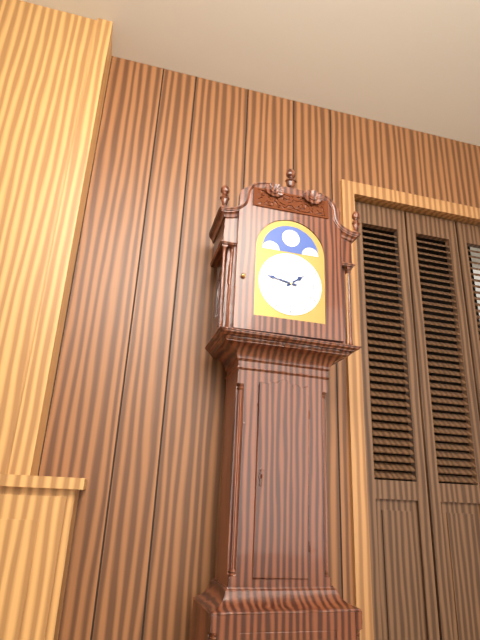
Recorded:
1.47
